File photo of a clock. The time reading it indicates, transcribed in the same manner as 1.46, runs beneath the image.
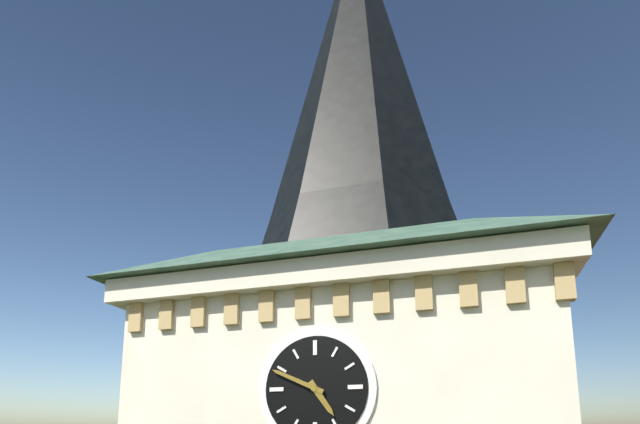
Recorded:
4.49
